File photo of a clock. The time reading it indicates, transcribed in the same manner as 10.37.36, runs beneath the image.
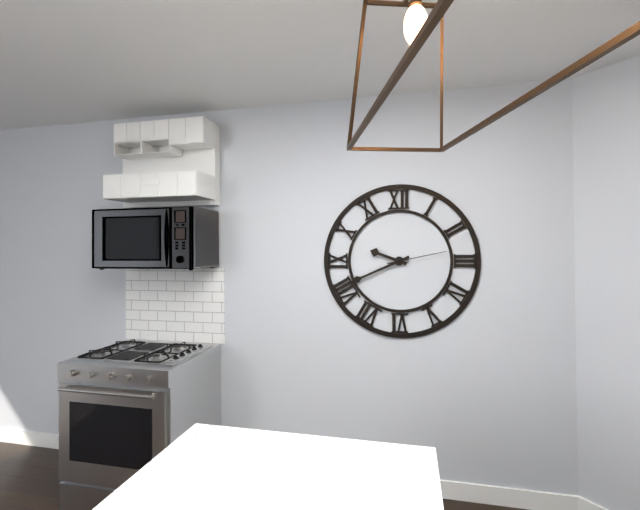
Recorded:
9.41.13
